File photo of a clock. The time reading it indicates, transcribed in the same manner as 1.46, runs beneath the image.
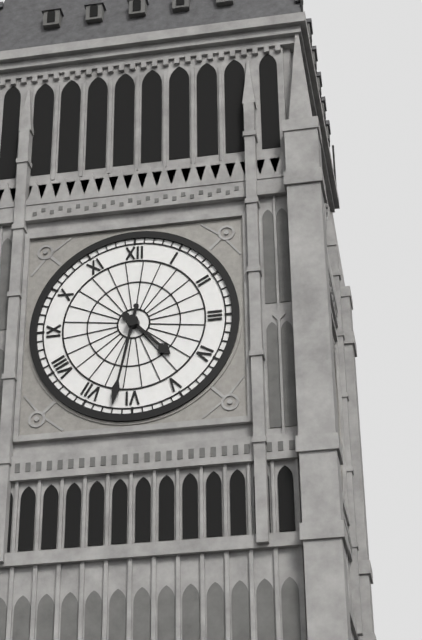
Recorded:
4.32
